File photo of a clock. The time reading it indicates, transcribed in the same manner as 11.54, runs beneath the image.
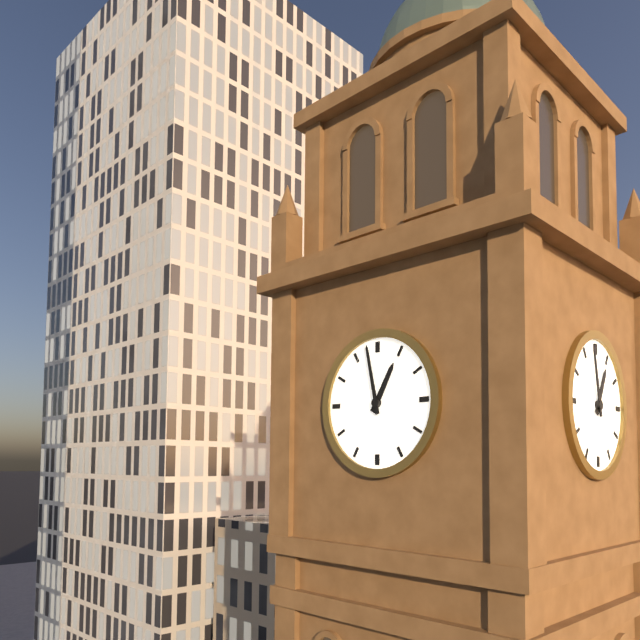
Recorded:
12.58
